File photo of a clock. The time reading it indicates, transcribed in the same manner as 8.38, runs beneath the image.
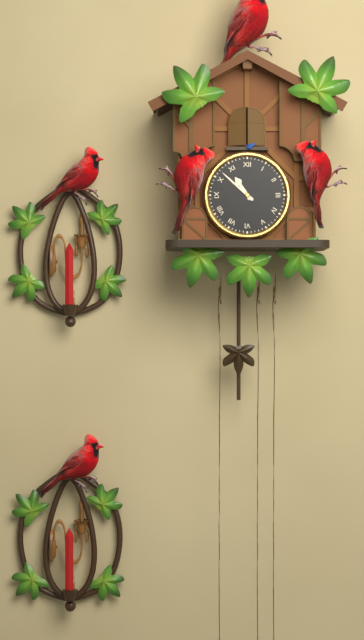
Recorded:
10.52
